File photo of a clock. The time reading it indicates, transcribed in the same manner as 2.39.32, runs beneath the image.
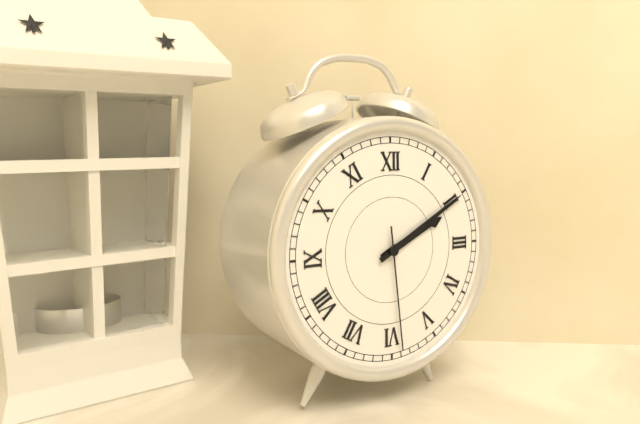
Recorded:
2.10.29
